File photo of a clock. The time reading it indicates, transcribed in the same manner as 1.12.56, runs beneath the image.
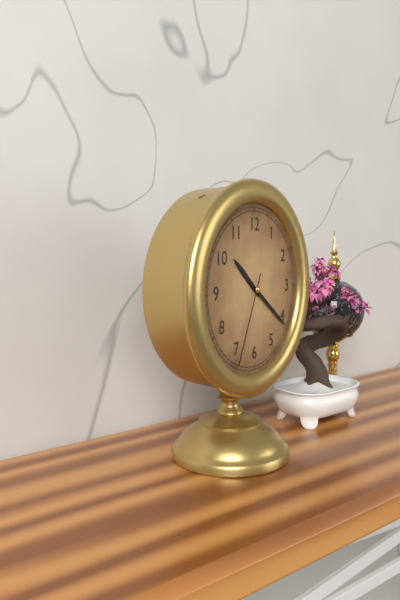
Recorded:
10.21.34
